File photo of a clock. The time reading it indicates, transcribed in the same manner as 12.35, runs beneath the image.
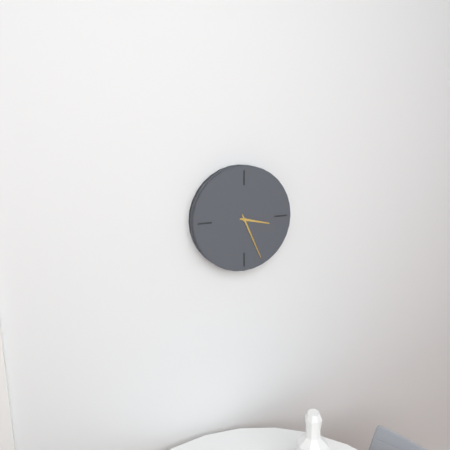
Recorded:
3.26
